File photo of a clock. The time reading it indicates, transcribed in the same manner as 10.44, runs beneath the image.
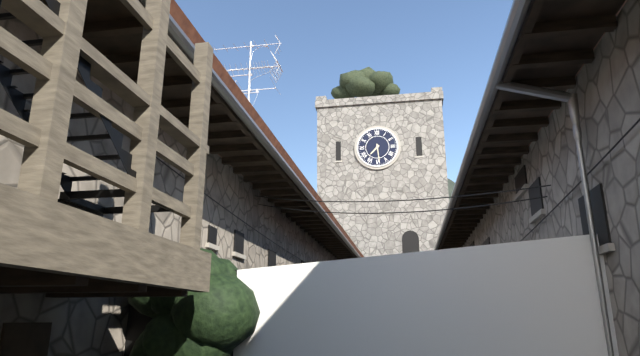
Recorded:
7.29
